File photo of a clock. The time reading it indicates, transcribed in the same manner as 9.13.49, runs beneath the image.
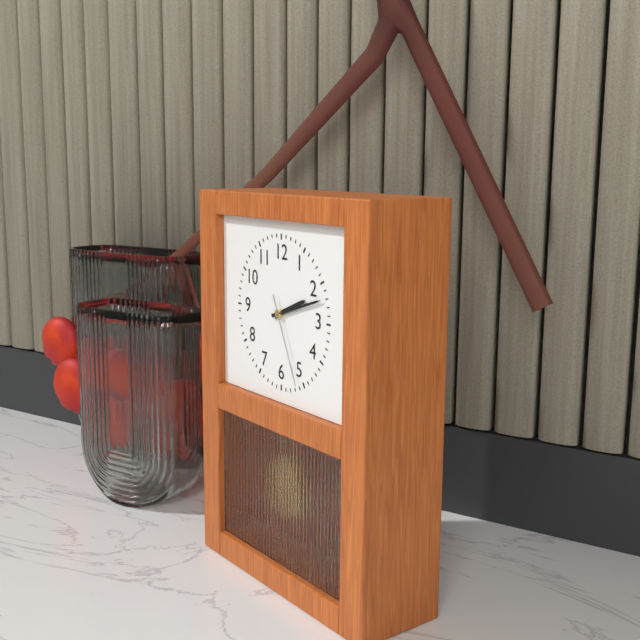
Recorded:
2.12.26
